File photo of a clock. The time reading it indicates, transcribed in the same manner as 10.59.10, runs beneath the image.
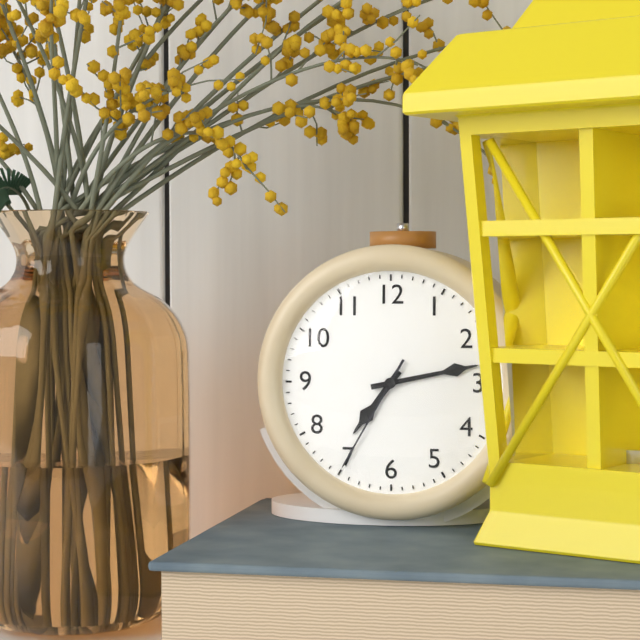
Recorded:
7.13.35
